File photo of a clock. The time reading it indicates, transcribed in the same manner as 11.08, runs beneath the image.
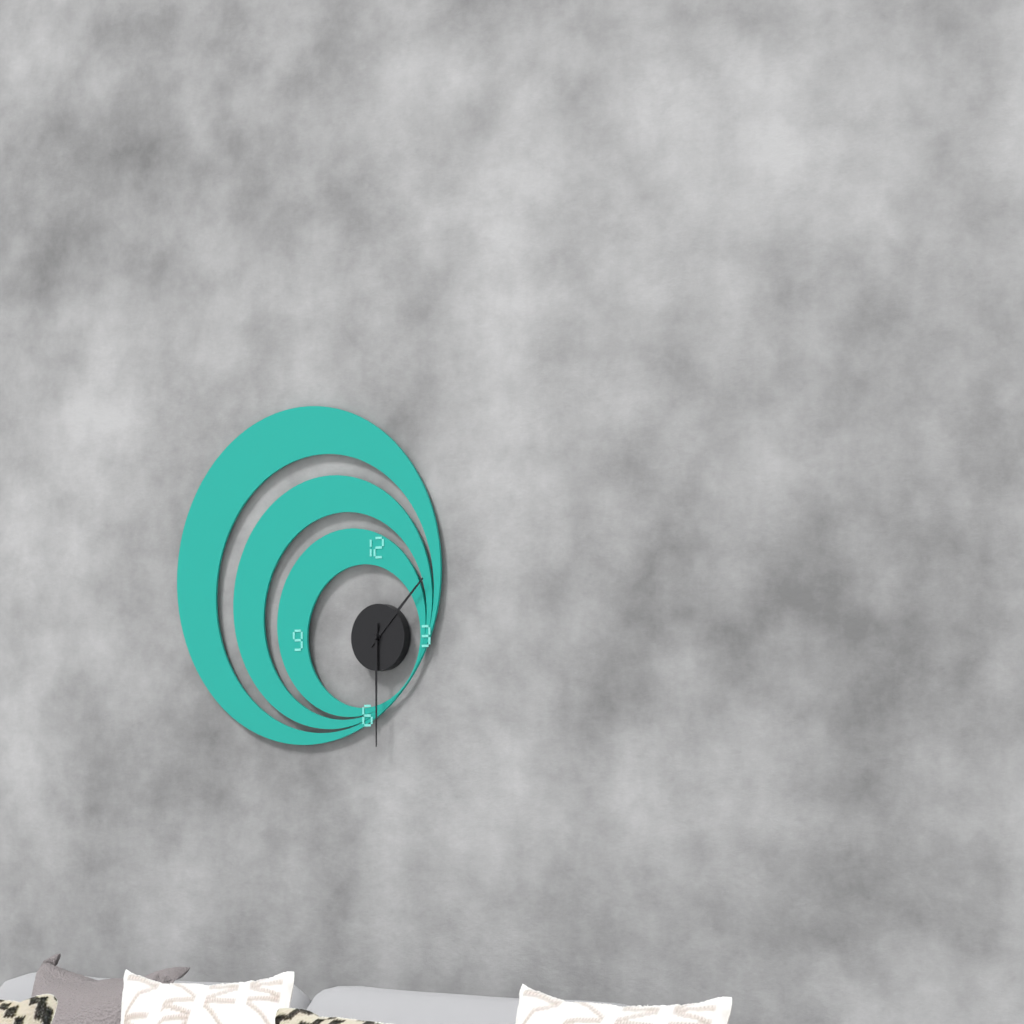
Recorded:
1.30
